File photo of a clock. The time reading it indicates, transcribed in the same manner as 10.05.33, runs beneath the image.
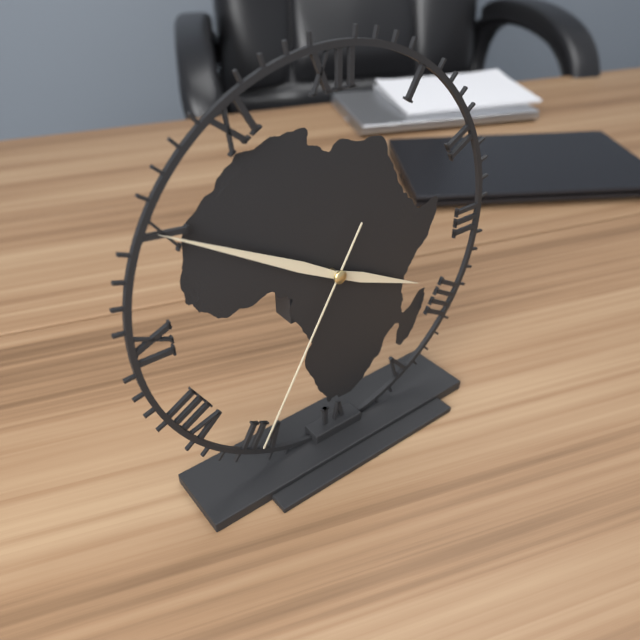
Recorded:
3.50.35
